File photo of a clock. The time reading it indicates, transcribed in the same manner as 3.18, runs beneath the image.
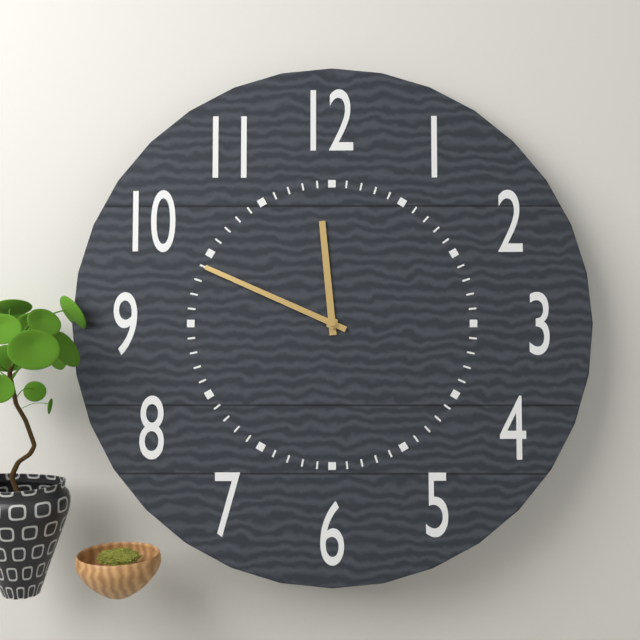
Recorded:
11.49
